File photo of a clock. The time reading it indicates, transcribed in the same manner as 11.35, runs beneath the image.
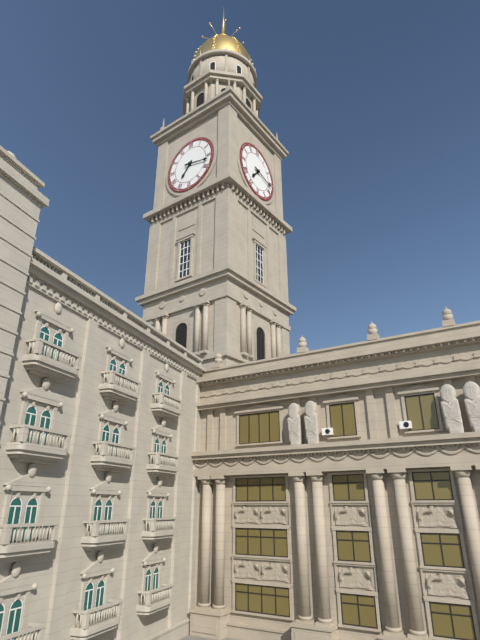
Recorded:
7.17
